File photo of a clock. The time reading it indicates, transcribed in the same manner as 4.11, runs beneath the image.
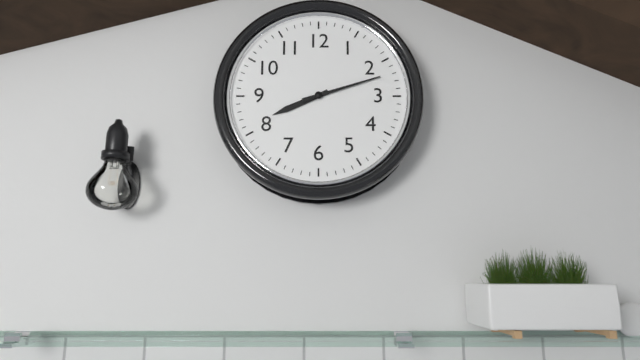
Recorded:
8.12
